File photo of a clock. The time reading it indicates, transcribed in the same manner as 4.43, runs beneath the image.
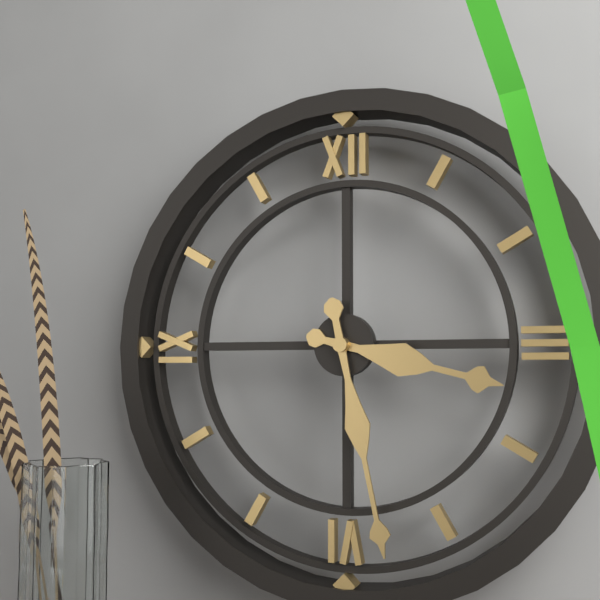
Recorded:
3.28
